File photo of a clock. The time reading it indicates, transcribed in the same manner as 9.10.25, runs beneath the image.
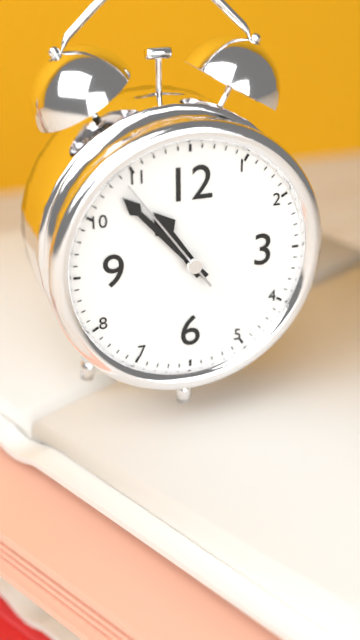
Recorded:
10.53.54
